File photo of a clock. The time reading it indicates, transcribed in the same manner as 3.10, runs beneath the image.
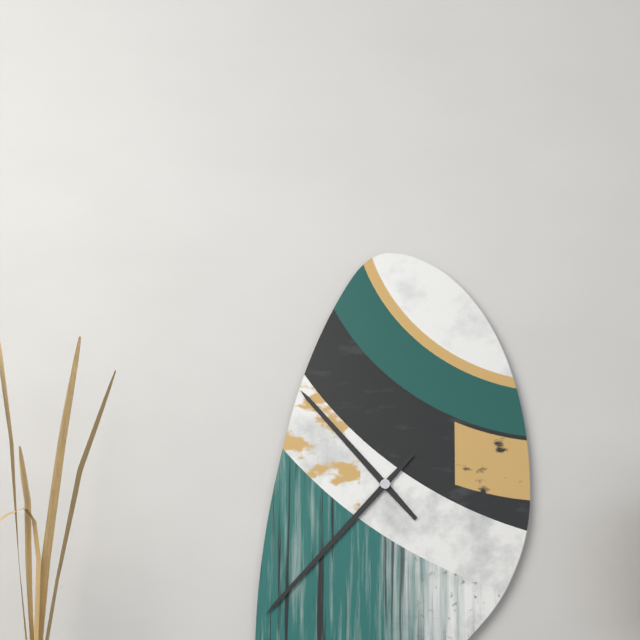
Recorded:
10.37
